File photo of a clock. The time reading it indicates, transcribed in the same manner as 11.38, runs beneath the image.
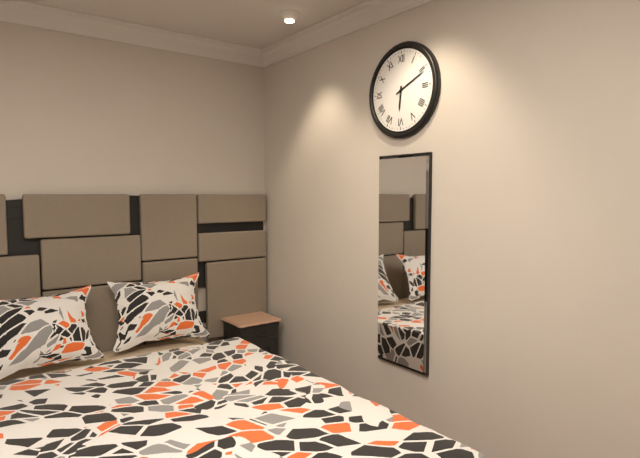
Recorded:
6.11
